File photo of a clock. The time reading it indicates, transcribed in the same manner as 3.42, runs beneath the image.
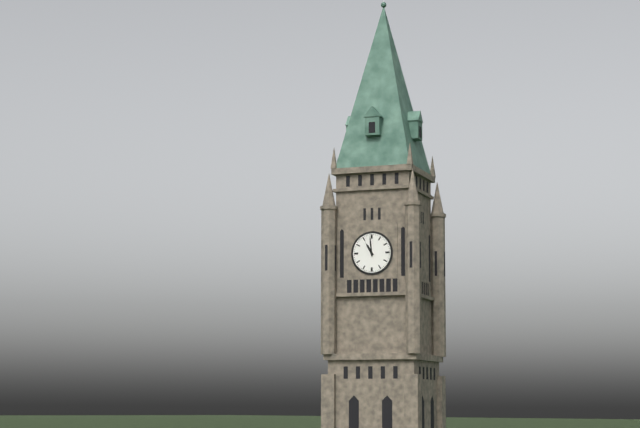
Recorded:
10.59
